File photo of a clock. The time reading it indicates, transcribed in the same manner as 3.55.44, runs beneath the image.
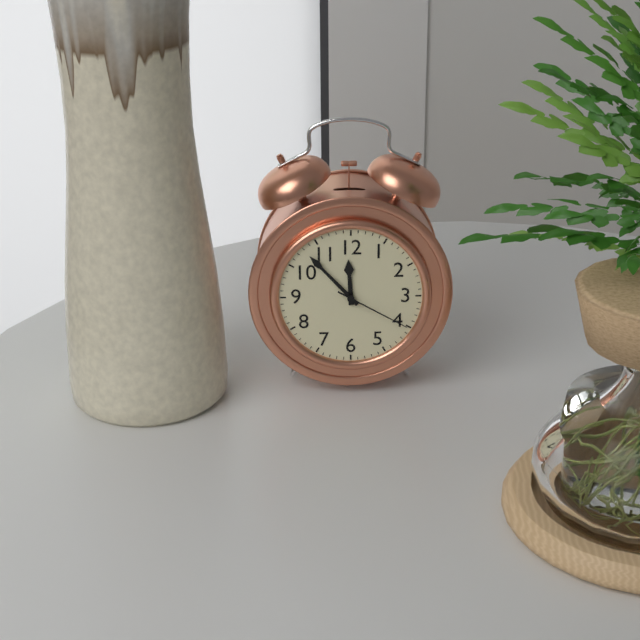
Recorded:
11.53.20
